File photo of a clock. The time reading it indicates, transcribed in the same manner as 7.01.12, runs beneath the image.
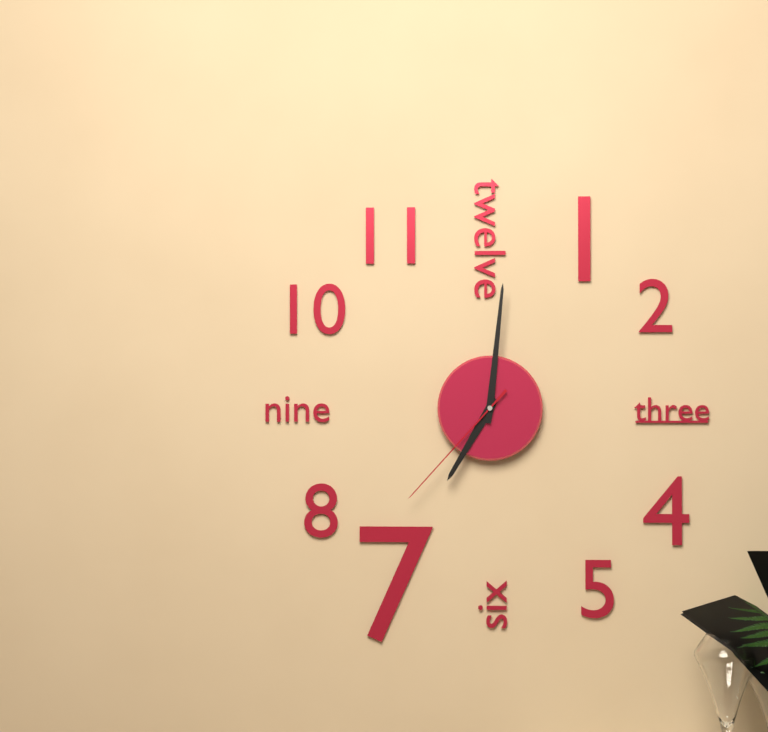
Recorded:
7.01.37
